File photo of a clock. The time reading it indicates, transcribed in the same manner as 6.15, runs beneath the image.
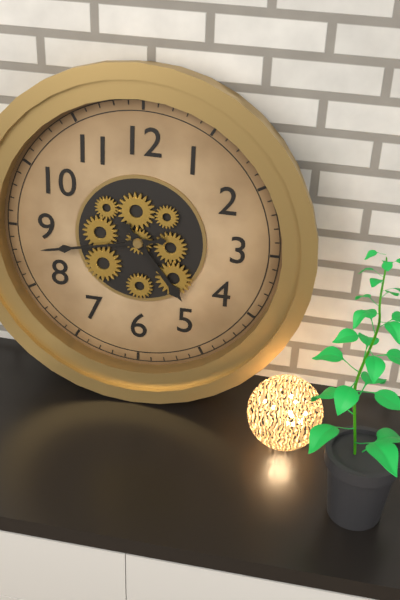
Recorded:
4.43
